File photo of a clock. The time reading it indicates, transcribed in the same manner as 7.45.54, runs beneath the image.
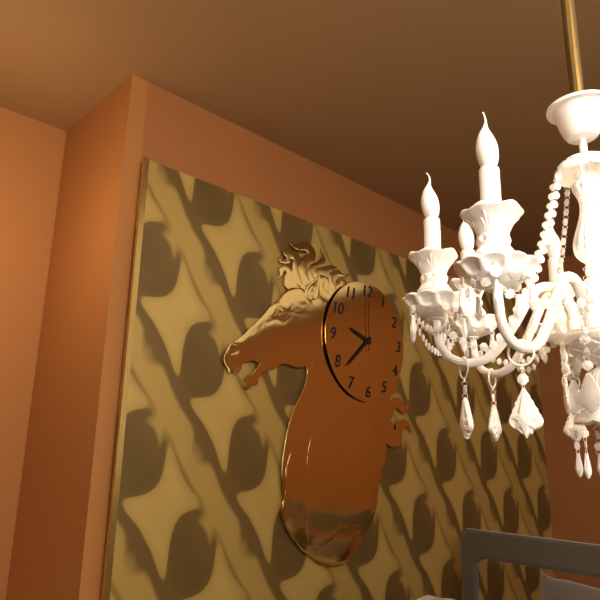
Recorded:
9.38.00
